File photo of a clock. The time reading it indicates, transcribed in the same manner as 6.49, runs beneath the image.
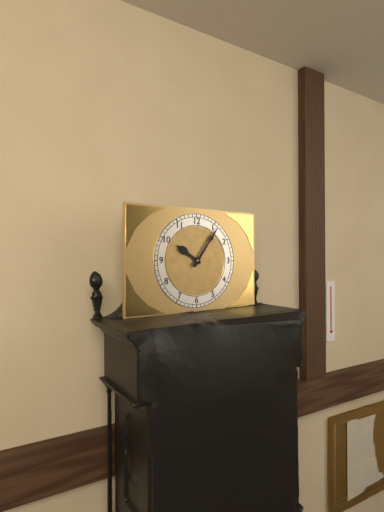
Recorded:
10.06
